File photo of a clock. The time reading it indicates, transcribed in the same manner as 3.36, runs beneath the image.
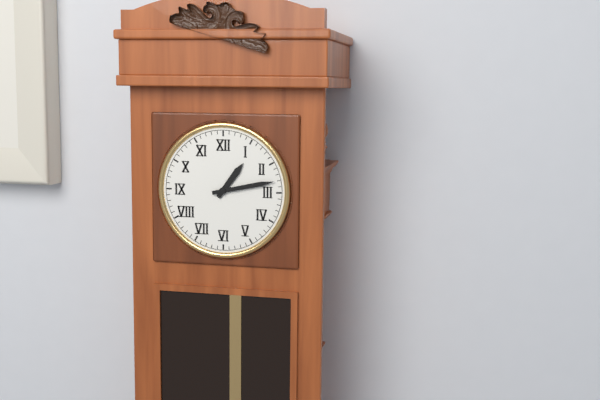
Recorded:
1.13
